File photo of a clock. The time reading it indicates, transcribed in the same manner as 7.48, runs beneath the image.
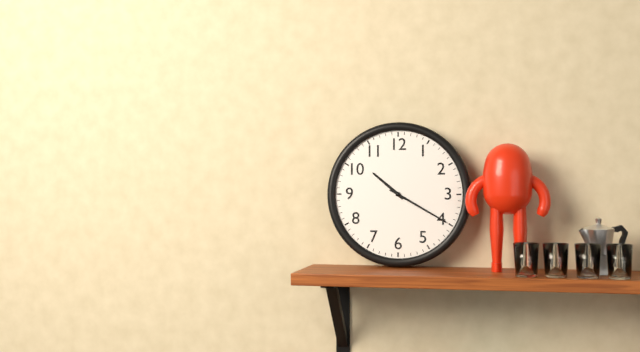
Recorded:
10.20
